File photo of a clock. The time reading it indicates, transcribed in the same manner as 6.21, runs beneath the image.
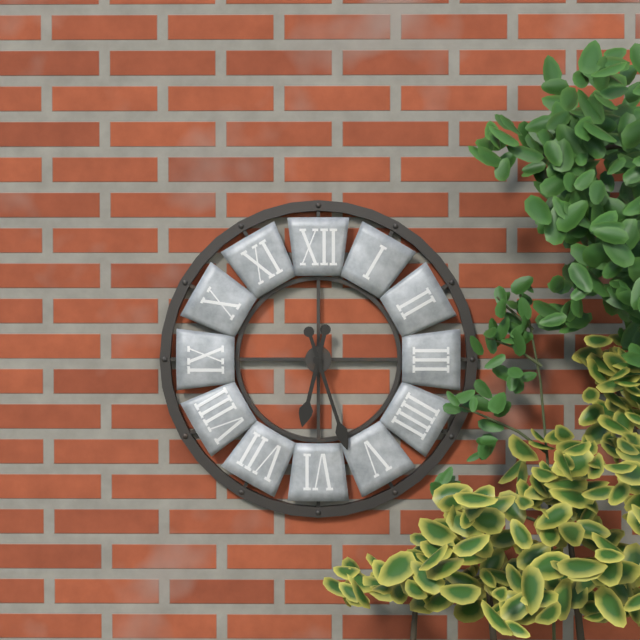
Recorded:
6.27
